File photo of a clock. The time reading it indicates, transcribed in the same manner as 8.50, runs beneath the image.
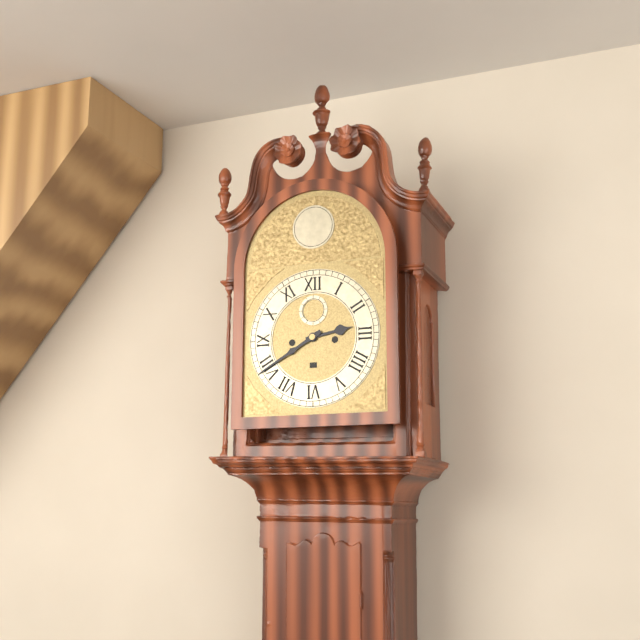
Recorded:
2.40
